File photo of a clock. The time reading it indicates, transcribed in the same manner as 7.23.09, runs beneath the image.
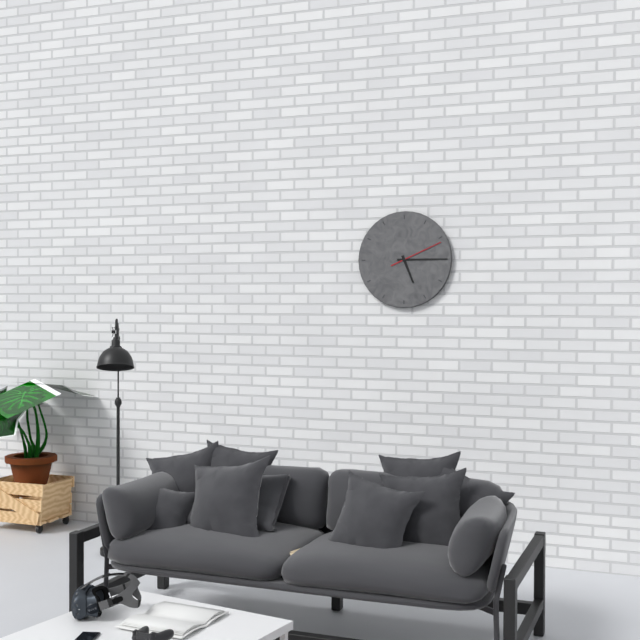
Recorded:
5.15.11
